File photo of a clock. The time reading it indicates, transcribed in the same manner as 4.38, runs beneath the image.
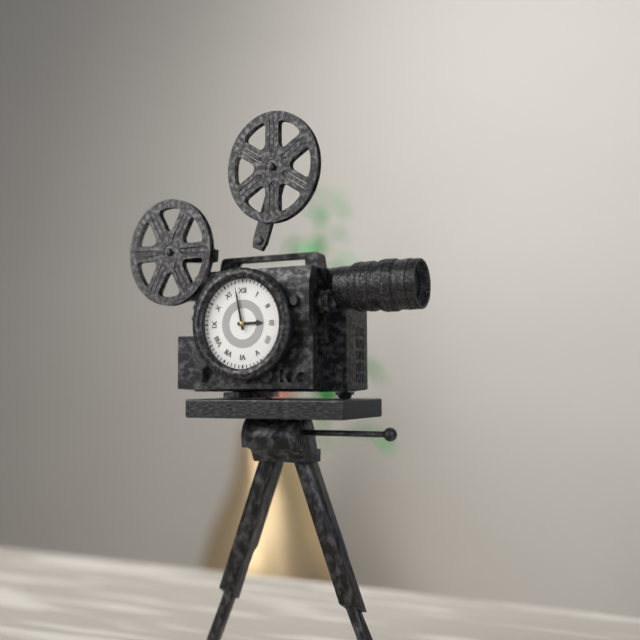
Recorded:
2.58
